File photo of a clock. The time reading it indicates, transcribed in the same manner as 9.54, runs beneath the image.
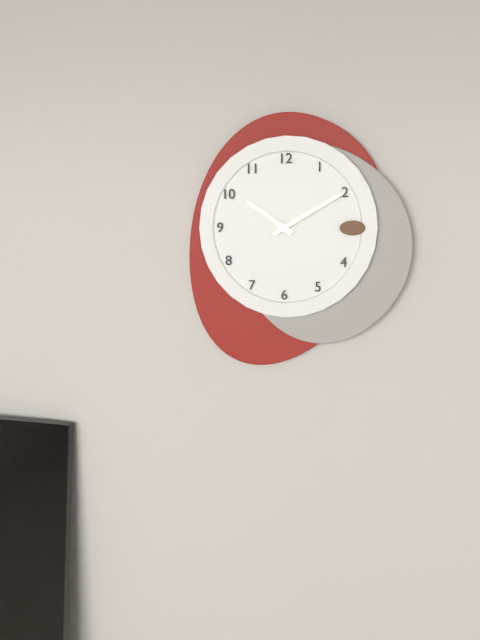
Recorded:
10.10
